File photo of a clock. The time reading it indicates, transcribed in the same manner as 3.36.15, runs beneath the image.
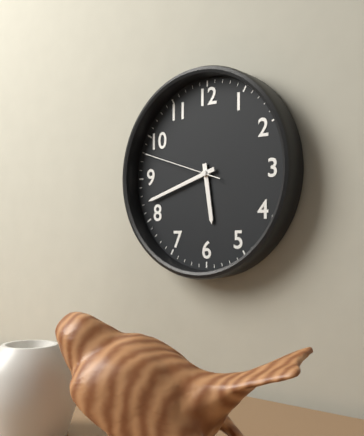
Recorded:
5.42.48
